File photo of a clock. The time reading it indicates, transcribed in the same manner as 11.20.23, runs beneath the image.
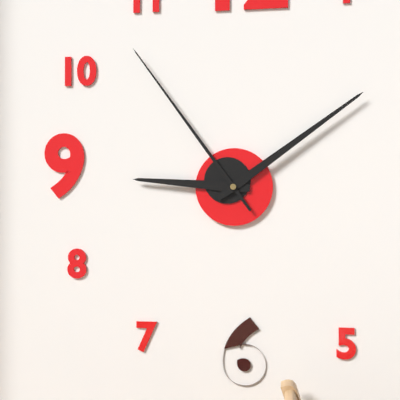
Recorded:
9.09.54
